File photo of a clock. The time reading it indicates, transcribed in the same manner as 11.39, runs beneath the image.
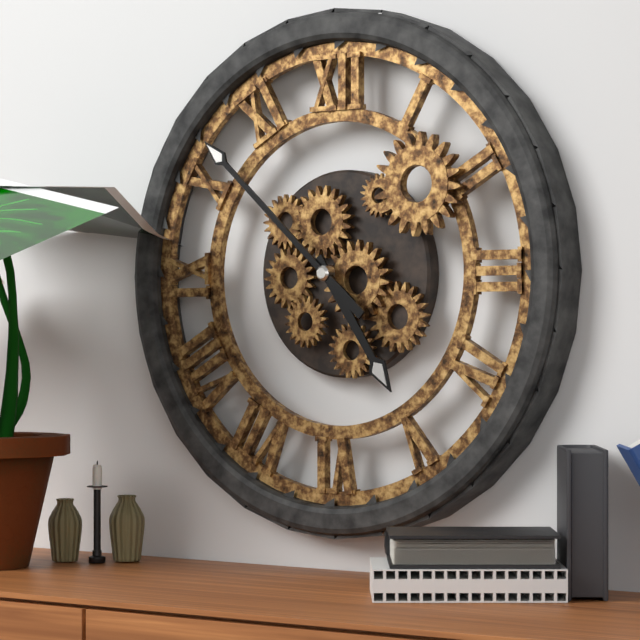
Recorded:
4.52
